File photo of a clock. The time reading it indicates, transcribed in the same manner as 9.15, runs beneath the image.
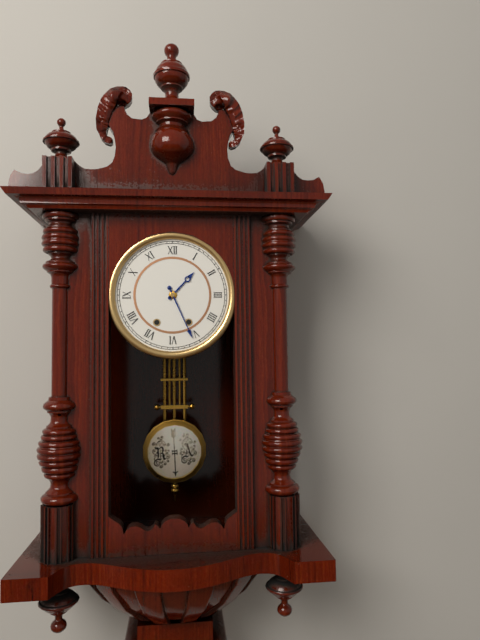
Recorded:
1.26
